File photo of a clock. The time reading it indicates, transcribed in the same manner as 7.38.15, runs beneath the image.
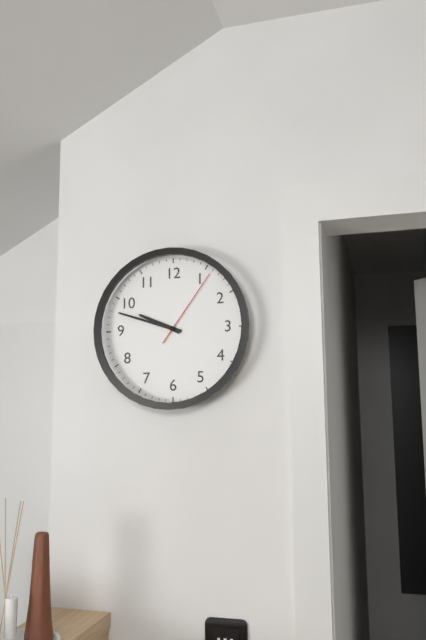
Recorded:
9.48.06
